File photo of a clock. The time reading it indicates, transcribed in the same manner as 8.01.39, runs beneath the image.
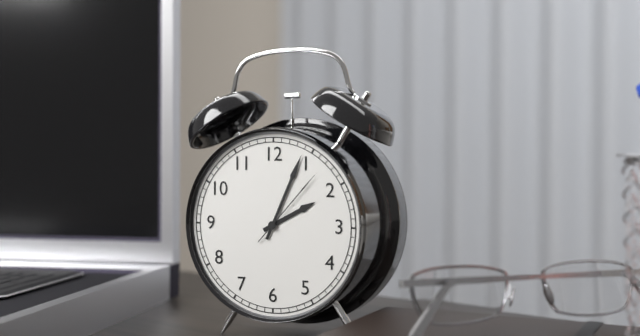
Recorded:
2.04.07
